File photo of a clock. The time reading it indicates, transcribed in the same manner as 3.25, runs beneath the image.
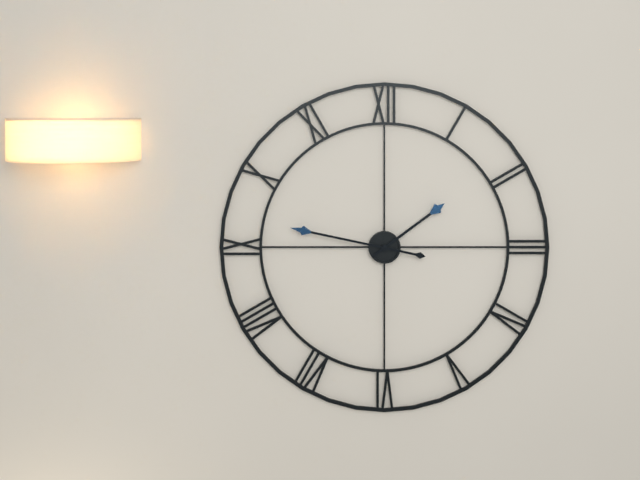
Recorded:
1.47
